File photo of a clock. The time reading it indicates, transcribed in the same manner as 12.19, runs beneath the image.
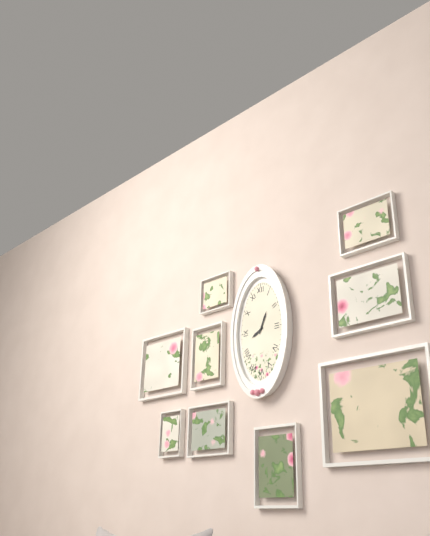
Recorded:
8.04
